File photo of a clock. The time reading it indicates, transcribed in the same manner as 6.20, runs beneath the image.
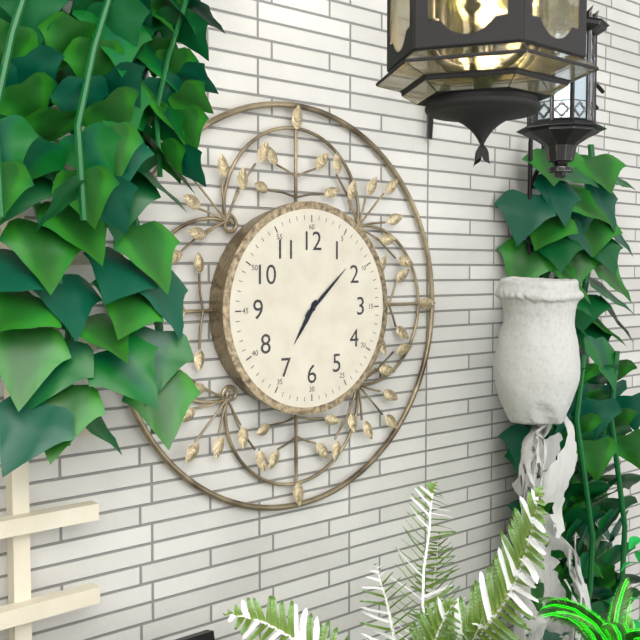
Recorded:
7.08
